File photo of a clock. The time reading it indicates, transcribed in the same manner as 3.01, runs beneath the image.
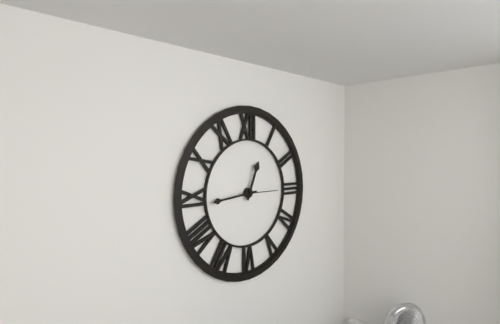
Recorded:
12.44
